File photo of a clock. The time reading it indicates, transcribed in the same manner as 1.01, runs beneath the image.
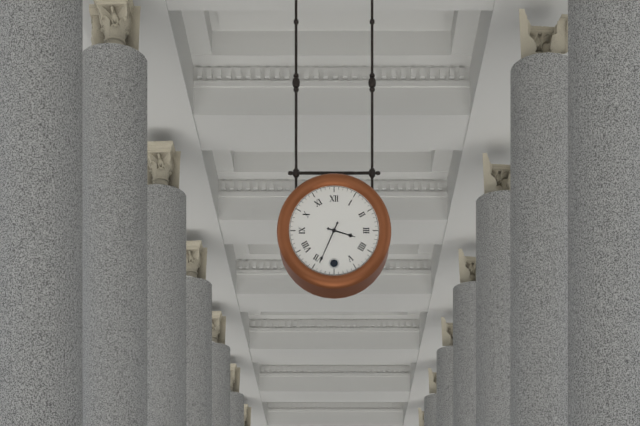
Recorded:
3.34
